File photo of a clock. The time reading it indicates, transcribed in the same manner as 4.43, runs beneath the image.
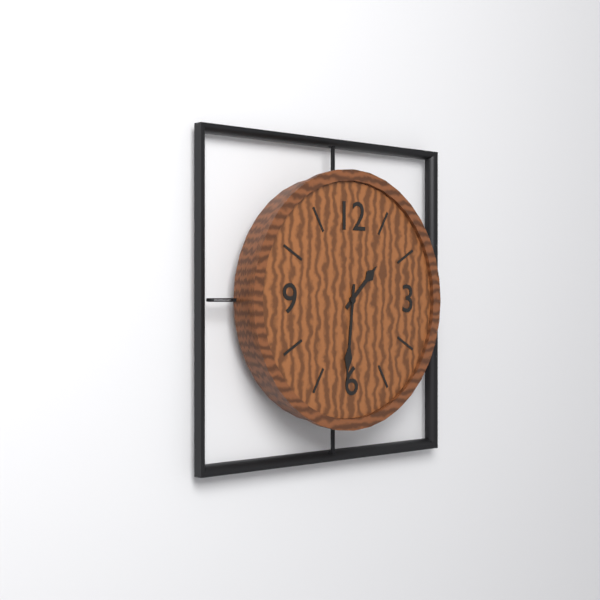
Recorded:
1.31
